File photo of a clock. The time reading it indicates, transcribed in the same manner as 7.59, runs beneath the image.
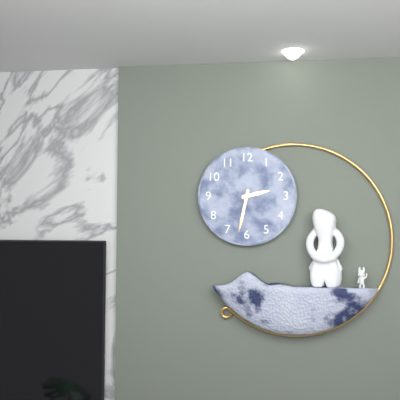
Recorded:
2.32
